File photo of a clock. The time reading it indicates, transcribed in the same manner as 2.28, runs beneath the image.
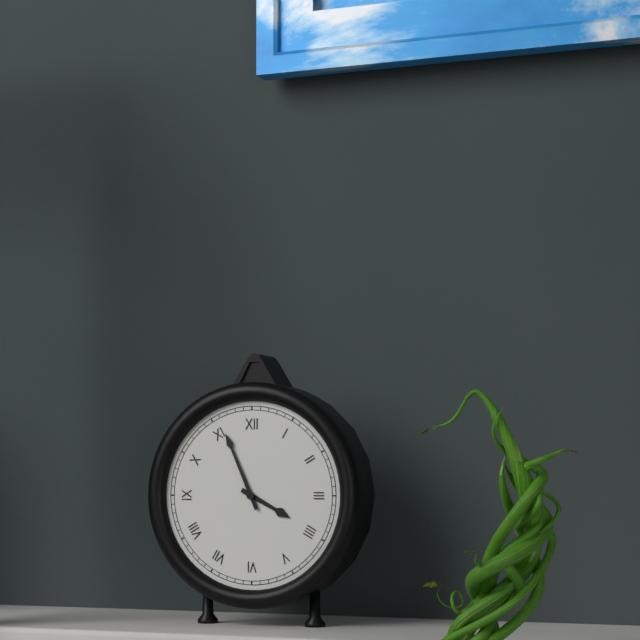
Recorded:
3.56
